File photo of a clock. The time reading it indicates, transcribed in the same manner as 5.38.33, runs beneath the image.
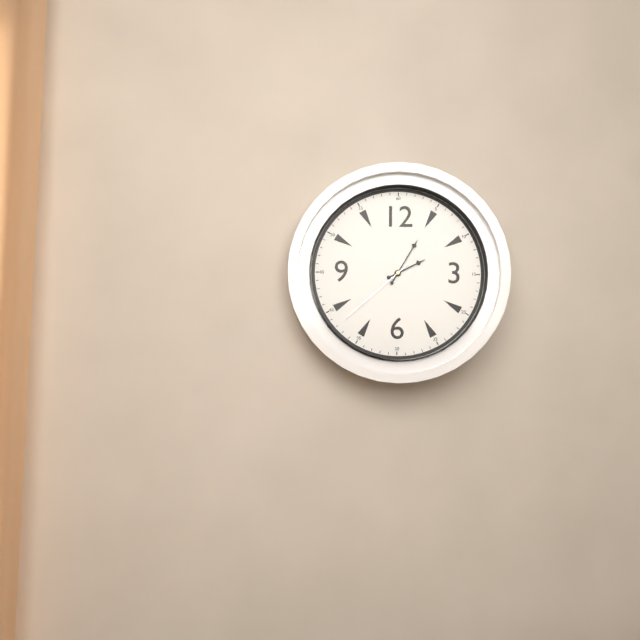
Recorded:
2.05.38
